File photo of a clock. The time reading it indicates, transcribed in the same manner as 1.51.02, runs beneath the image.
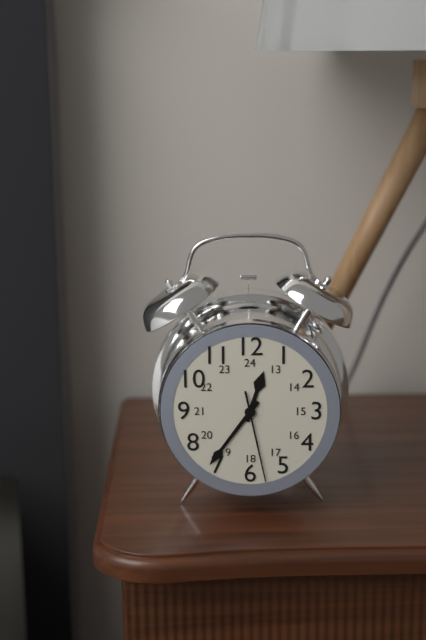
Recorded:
12.36.28
